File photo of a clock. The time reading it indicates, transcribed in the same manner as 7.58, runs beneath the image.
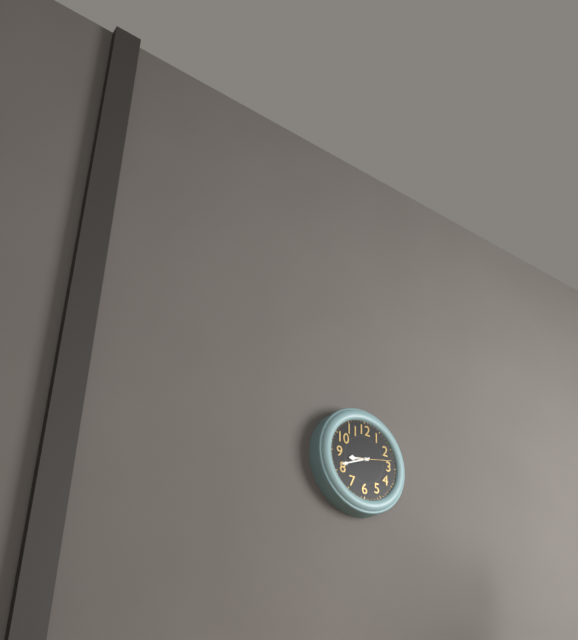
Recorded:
8.41
